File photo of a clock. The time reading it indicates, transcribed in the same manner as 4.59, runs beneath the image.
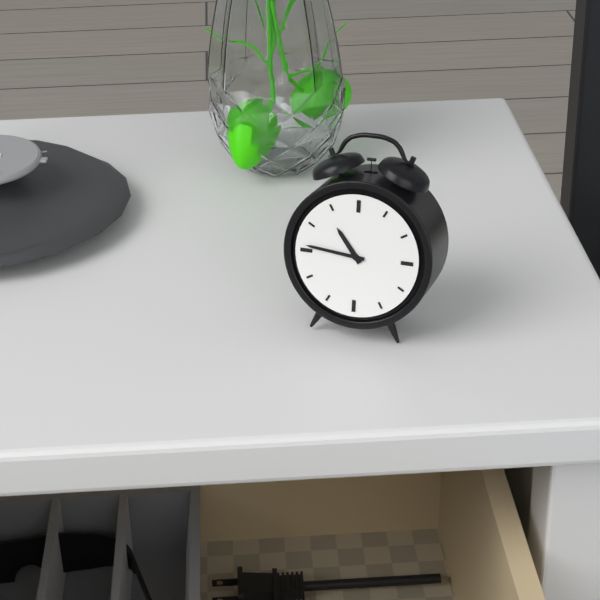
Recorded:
10.46
